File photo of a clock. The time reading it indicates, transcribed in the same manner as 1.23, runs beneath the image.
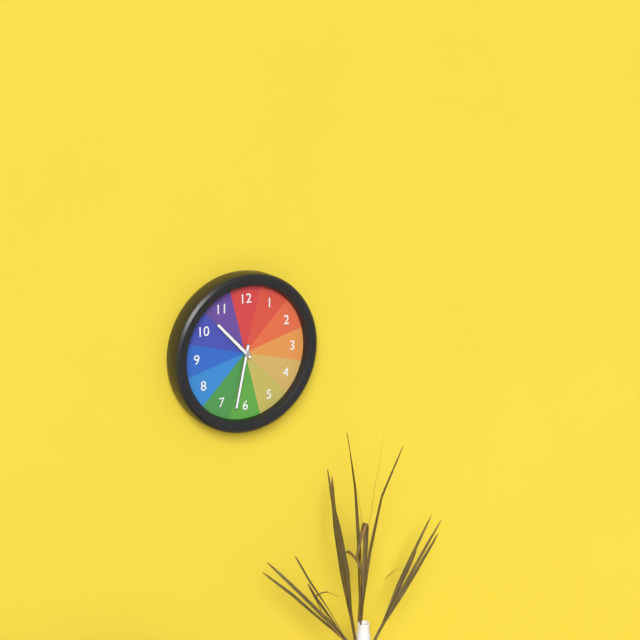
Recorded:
10.32
